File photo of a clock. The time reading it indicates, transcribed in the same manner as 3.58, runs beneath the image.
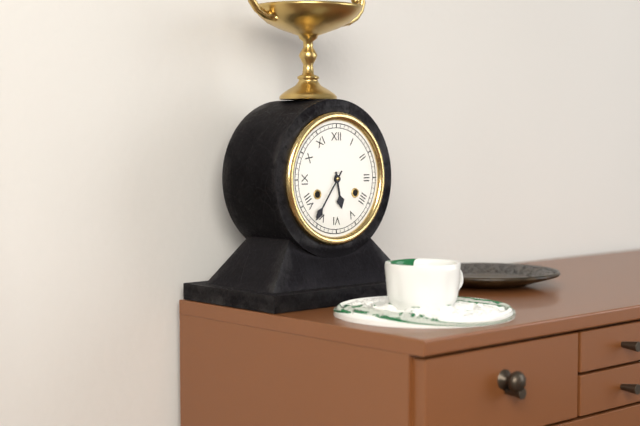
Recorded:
5.36
